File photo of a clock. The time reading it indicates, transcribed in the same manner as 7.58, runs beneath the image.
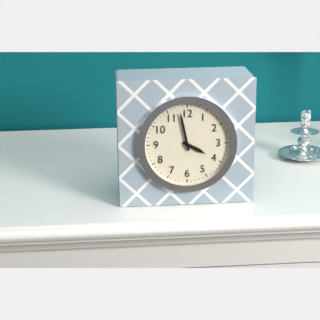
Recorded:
3.58
